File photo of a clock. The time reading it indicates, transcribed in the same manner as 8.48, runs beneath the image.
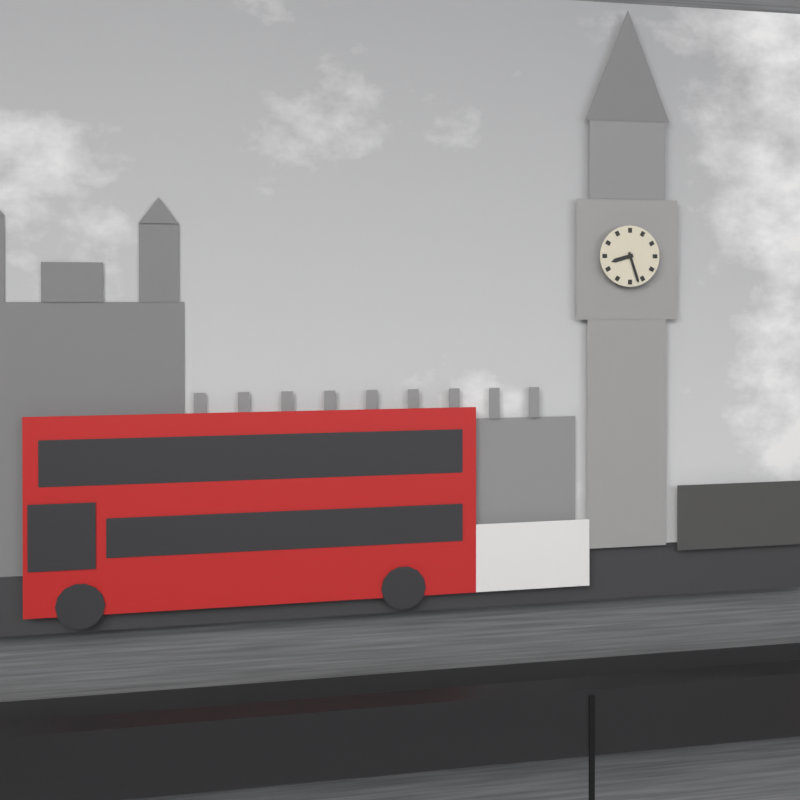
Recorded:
8.27
